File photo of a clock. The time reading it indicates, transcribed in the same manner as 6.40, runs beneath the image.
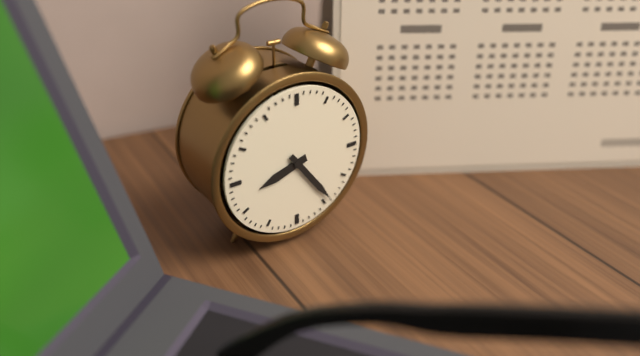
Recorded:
8.24
